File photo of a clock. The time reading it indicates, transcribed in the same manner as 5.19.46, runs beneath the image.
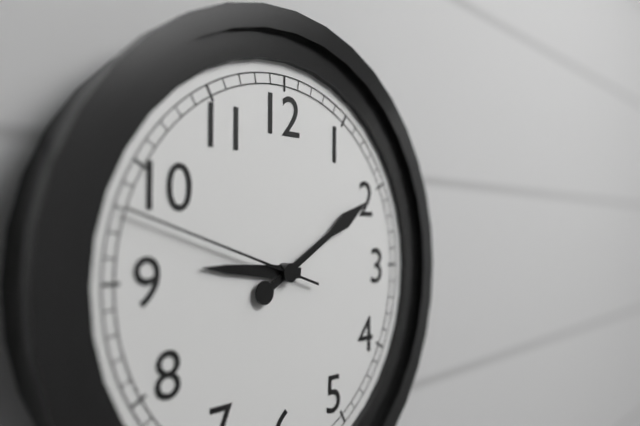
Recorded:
9.10.48
